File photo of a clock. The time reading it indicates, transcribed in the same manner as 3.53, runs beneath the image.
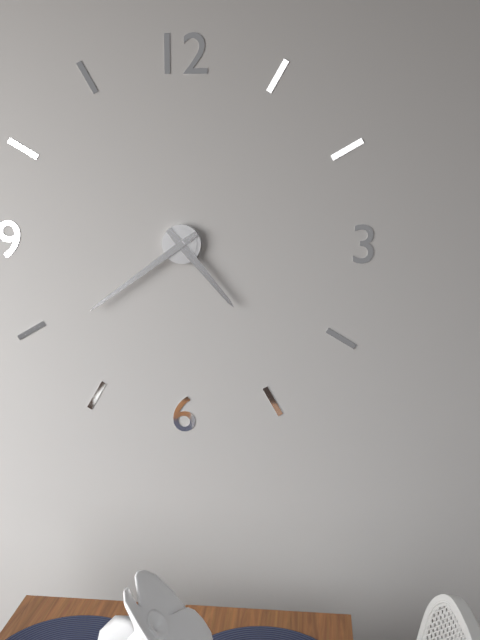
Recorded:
4.39
